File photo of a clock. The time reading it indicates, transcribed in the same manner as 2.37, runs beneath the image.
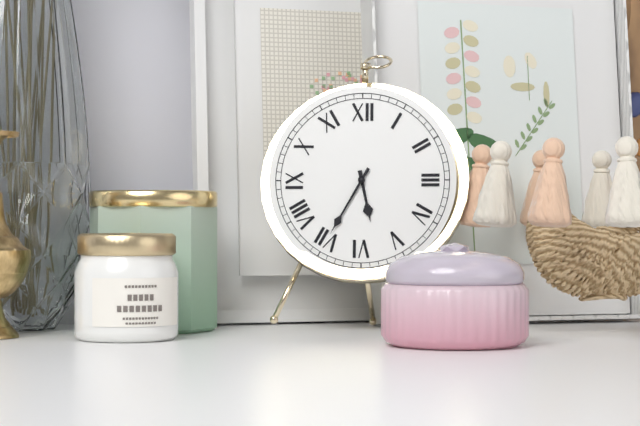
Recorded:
5.35
